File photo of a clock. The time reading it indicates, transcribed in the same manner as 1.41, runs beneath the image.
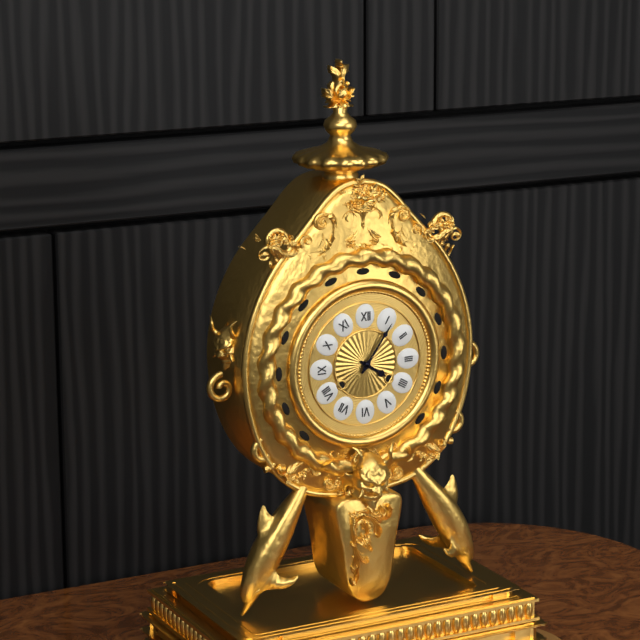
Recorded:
4.06
